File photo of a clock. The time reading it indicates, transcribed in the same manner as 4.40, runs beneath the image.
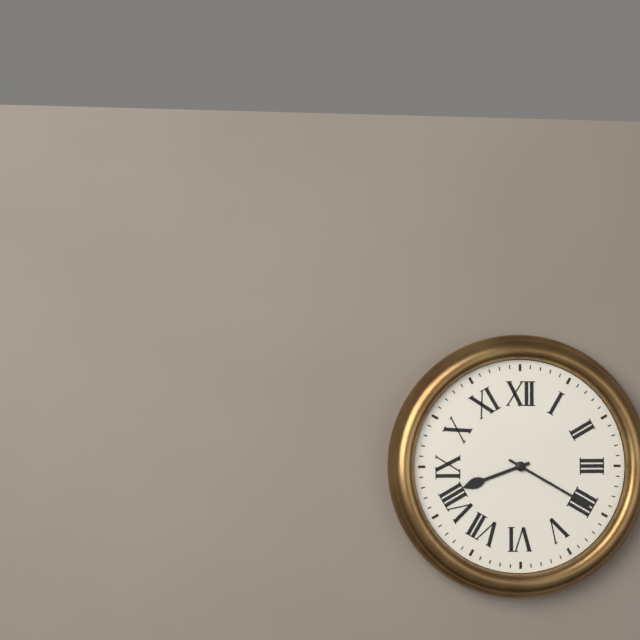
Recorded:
8.20
